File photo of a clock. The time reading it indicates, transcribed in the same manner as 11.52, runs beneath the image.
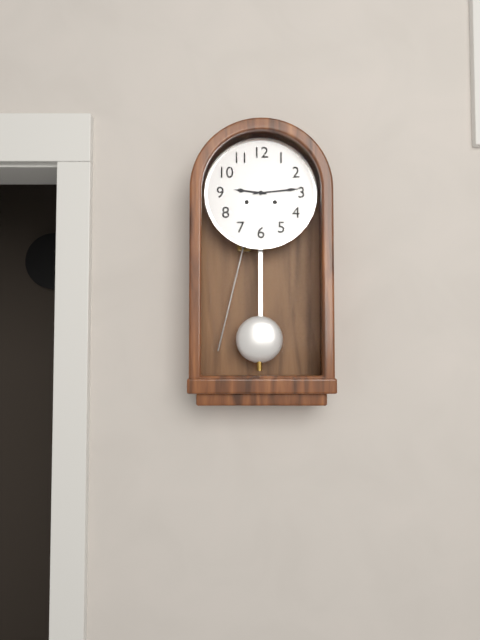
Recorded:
9.14
